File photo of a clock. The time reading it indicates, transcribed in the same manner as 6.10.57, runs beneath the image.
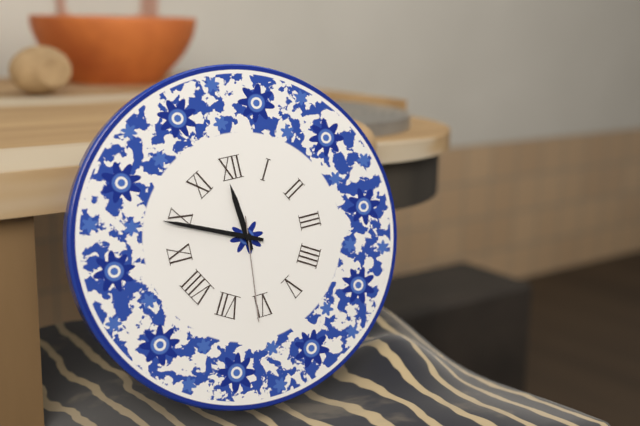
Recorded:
11.49.31
